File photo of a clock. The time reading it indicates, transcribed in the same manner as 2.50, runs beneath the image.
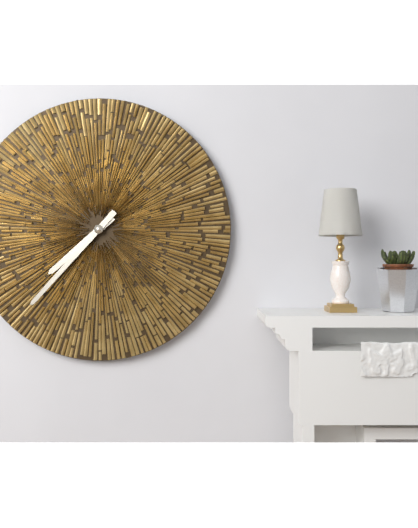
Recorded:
7.37
